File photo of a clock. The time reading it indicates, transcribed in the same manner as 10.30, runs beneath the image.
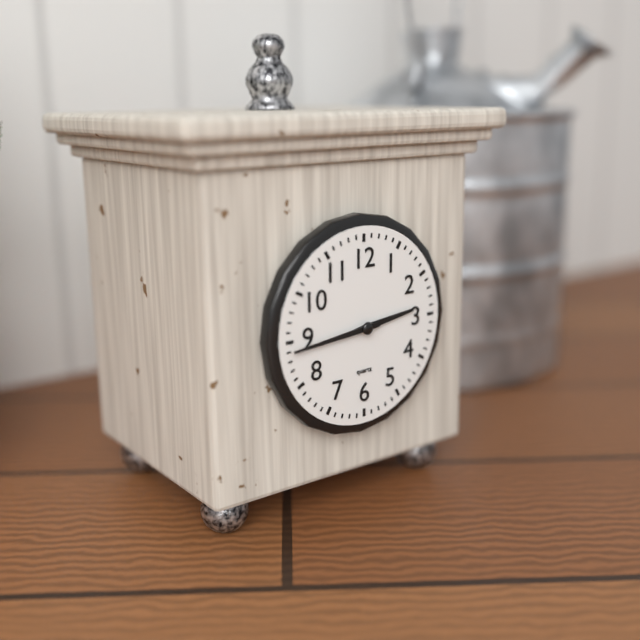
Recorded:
2.44
